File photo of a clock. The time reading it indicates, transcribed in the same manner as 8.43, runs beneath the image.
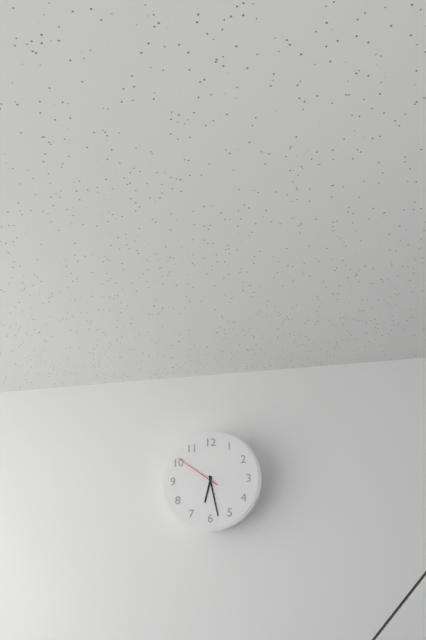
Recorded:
6.28
